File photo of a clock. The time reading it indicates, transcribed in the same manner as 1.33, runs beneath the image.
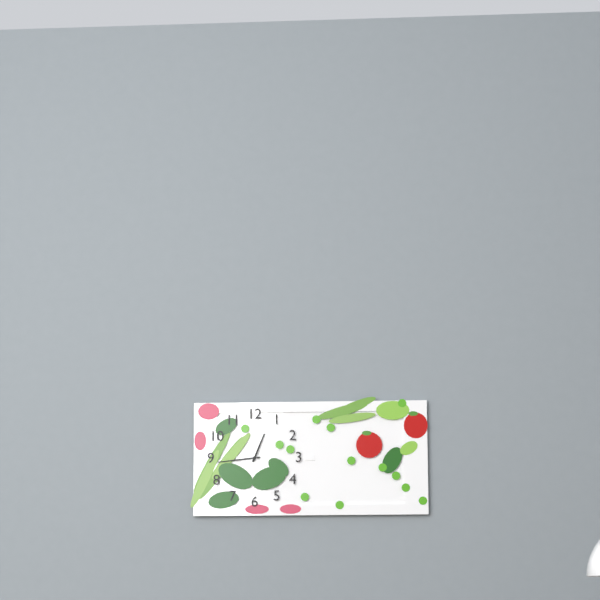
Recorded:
12.44
